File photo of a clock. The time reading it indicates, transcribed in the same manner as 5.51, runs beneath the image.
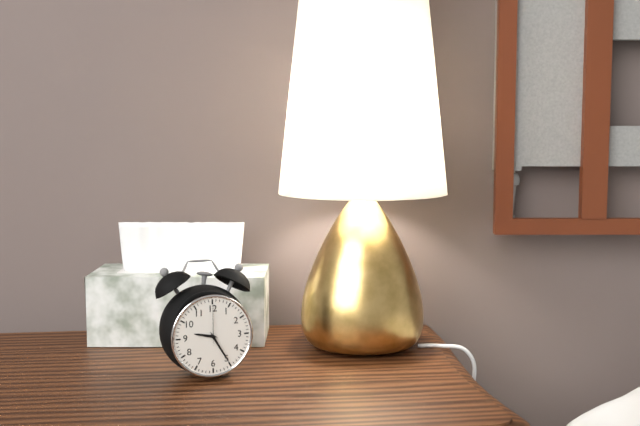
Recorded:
9.25
